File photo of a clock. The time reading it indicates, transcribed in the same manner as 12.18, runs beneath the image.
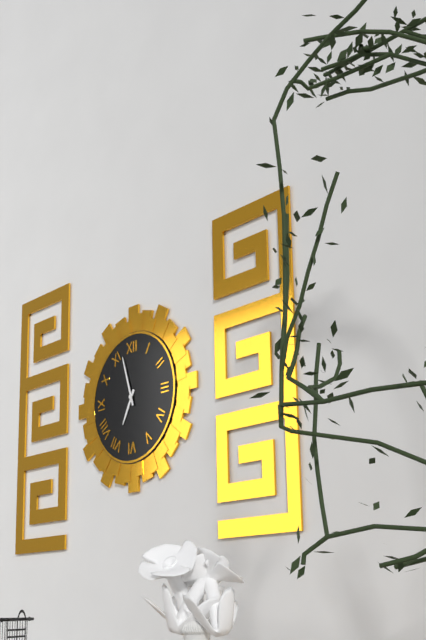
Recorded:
6.57
